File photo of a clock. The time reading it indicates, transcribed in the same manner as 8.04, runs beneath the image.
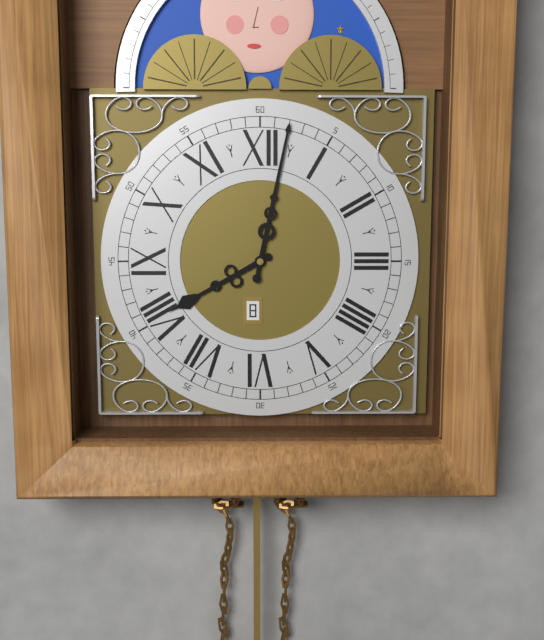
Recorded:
8.02
